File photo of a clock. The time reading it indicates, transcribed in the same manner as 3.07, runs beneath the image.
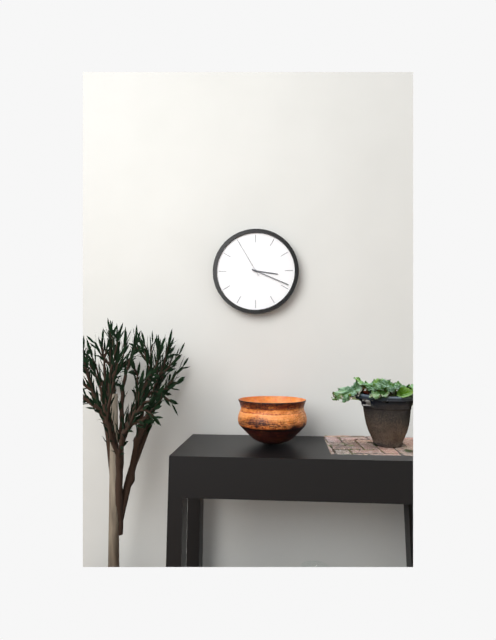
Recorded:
3.19
